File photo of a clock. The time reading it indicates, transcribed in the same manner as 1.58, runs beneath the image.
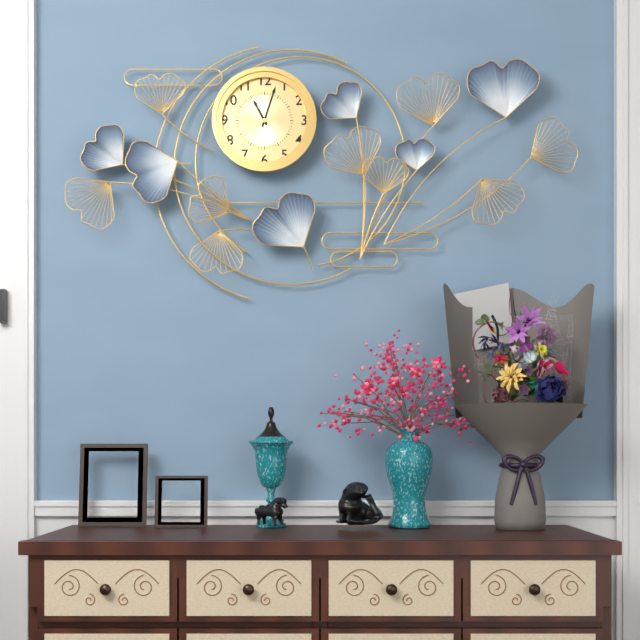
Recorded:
11.03
